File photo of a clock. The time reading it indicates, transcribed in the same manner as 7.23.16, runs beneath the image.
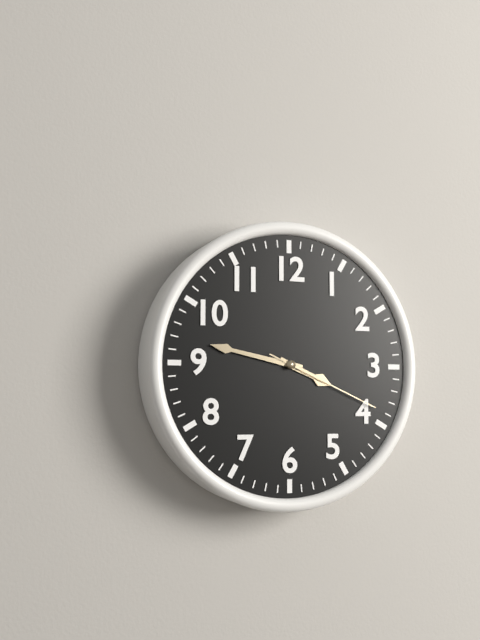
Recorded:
3.47.19
